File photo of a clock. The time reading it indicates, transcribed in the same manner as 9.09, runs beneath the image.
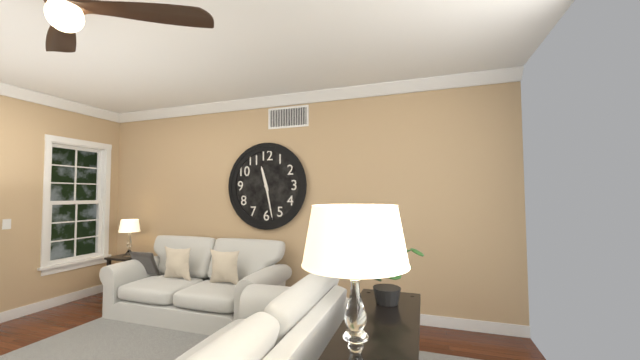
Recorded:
11.28
